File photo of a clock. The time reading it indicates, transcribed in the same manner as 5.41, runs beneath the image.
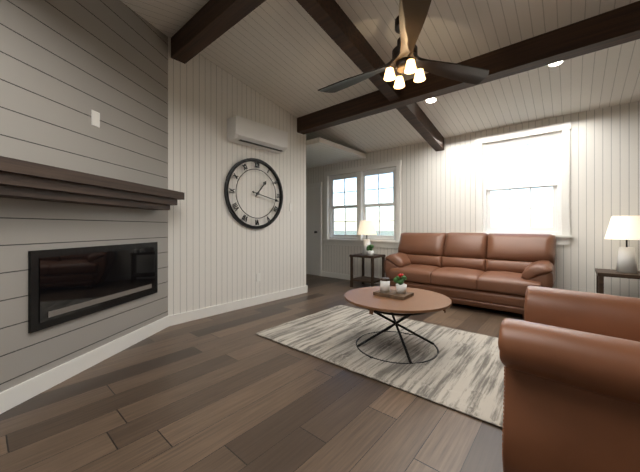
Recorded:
1.17
